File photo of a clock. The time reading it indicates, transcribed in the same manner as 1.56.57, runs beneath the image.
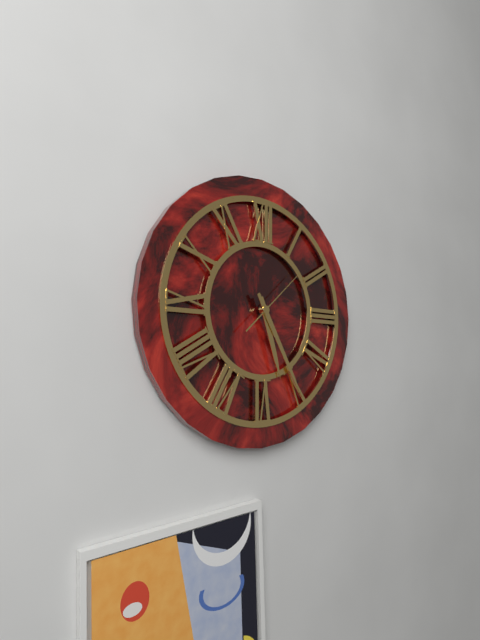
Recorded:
5.25.08
